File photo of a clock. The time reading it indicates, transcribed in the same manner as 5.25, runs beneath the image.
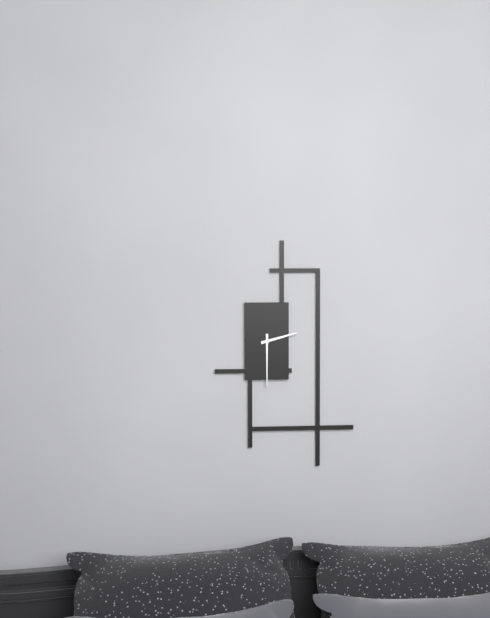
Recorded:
2.30
